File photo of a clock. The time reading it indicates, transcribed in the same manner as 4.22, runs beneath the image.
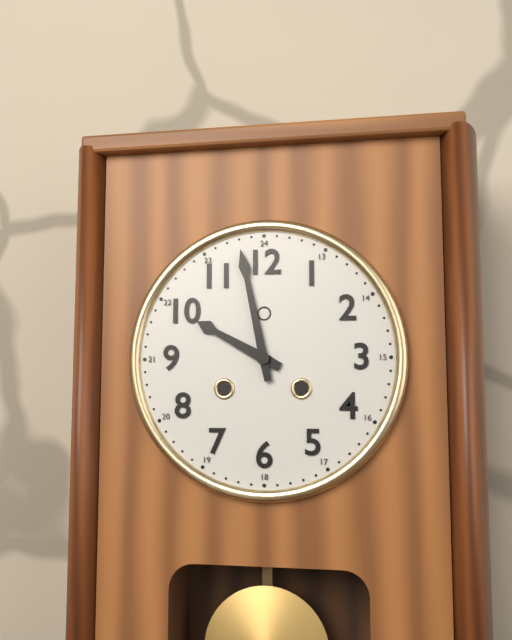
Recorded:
9.58
